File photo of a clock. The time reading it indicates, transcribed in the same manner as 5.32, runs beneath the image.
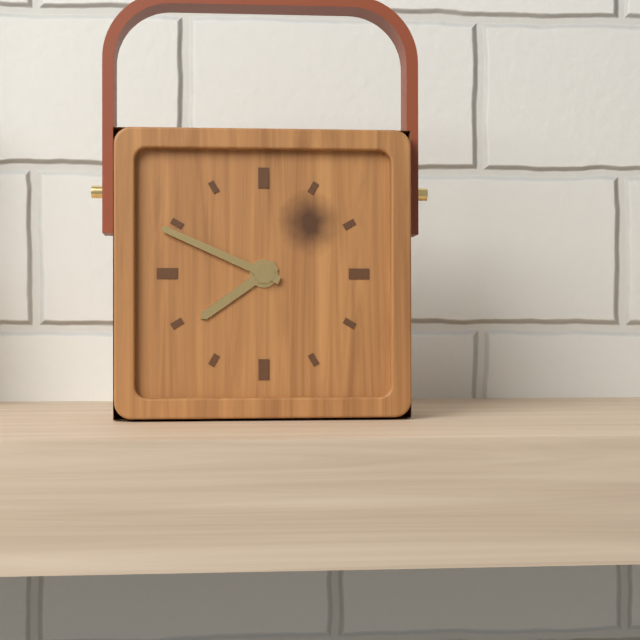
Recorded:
7.49
